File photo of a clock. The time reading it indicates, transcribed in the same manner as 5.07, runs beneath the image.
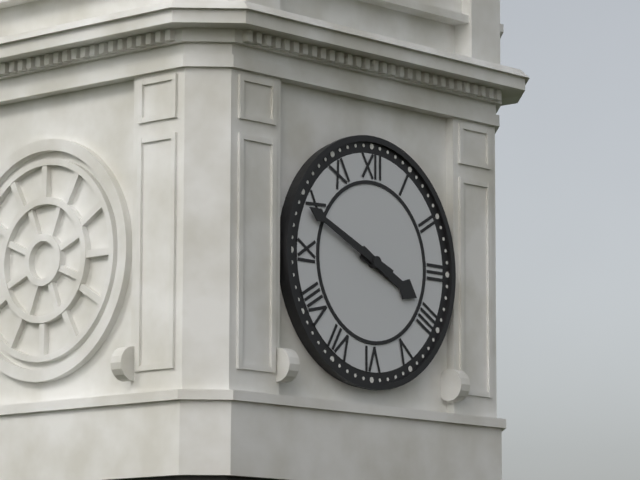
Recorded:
3.49
